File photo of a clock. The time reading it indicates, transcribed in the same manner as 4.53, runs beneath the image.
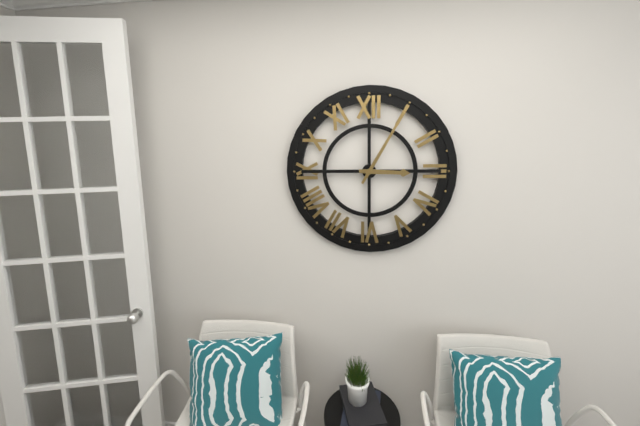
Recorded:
3.05
